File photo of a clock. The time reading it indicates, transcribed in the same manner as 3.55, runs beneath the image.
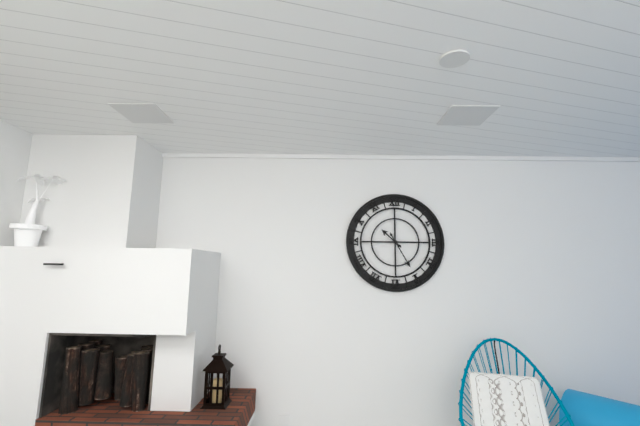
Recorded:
10.25
